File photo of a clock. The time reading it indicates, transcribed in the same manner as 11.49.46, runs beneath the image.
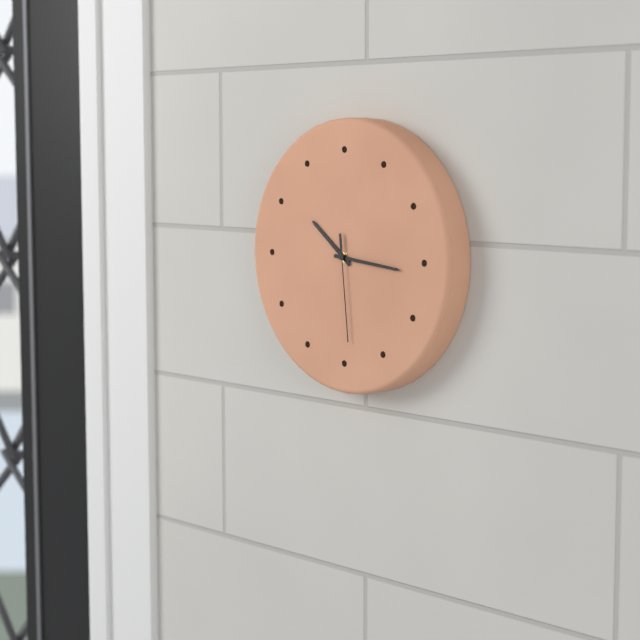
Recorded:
10.16.29
